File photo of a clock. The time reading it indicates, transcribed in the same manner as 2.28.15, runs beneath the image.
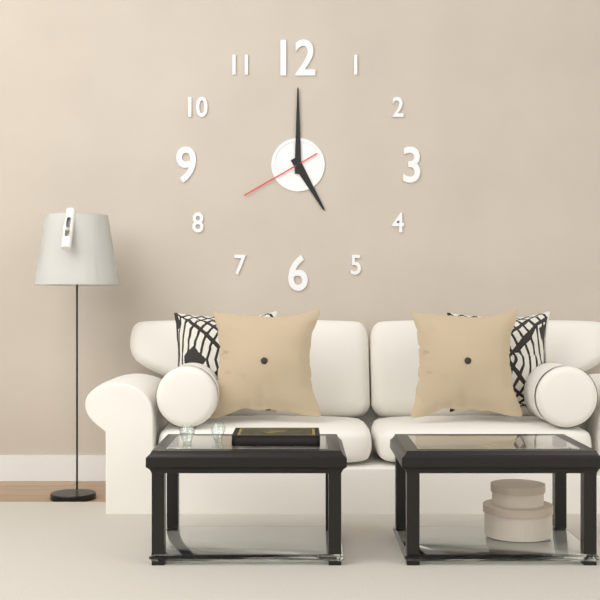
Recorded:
5.00.40
